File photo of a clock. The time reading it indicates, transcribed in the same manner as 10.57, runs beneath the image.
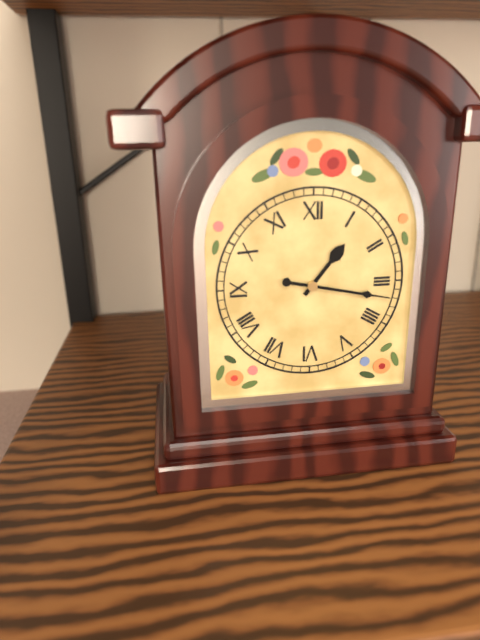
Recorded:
1.17
